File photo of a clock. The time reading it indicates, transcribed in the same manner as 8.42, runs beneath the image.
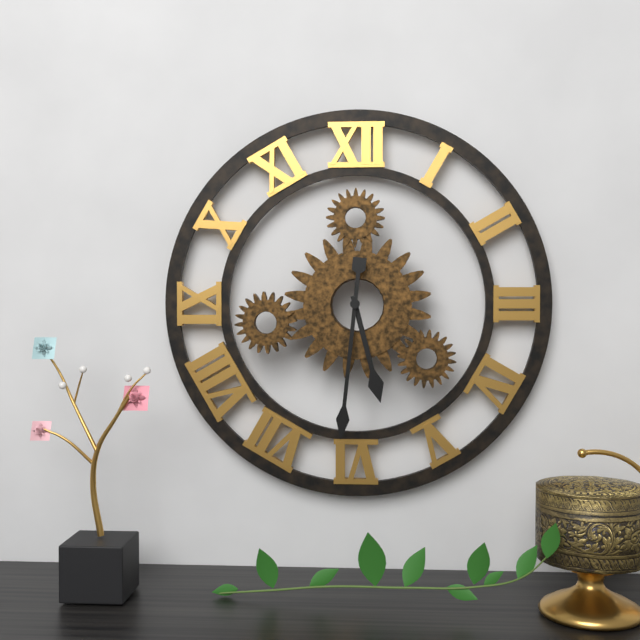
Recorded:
5.31
